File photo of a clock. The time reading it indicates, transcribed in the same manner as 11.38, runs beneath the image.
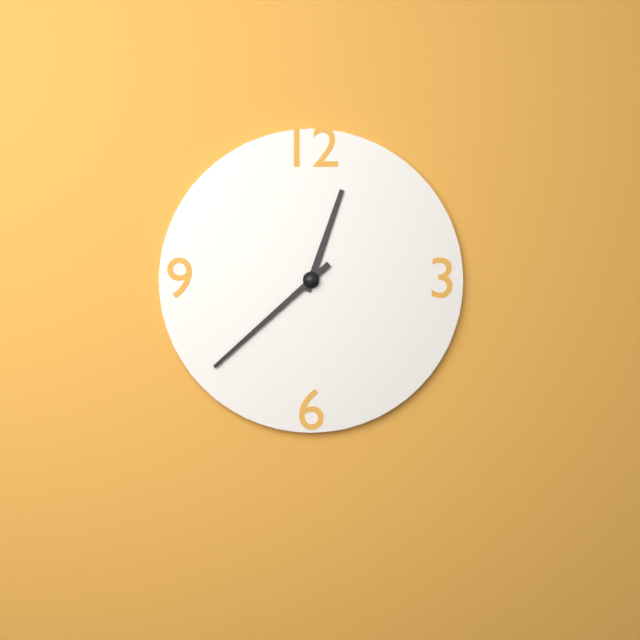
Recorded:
12.38
